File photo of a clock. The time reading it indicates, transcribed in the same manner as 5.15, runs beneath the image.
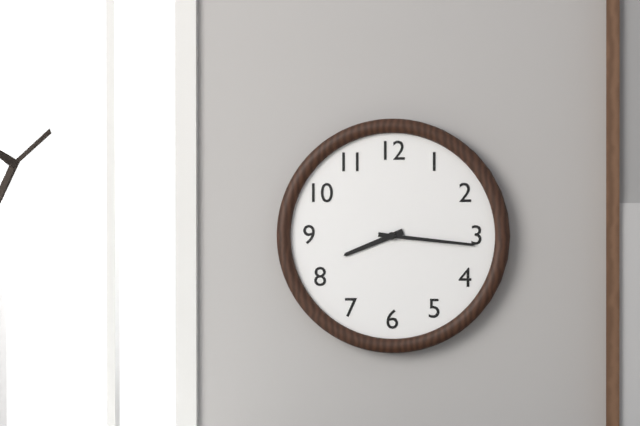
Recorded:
8.16
